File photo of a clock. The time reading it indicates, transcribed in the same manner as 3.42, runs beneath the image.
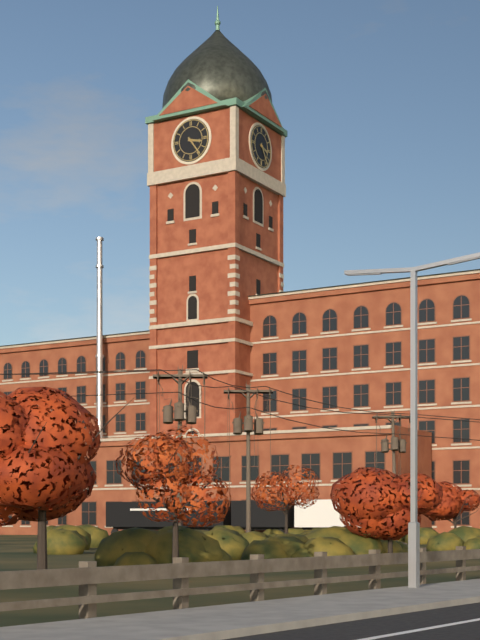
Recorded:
3.24
